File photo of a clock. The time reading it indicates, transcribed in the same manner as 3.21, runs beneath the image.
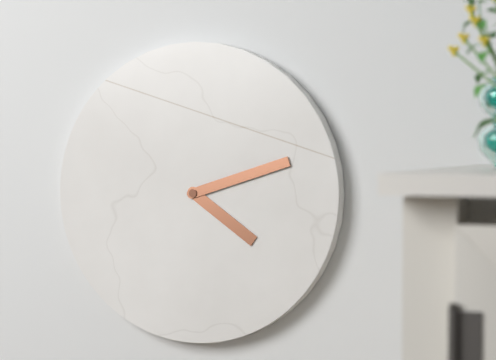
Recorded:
4.12
